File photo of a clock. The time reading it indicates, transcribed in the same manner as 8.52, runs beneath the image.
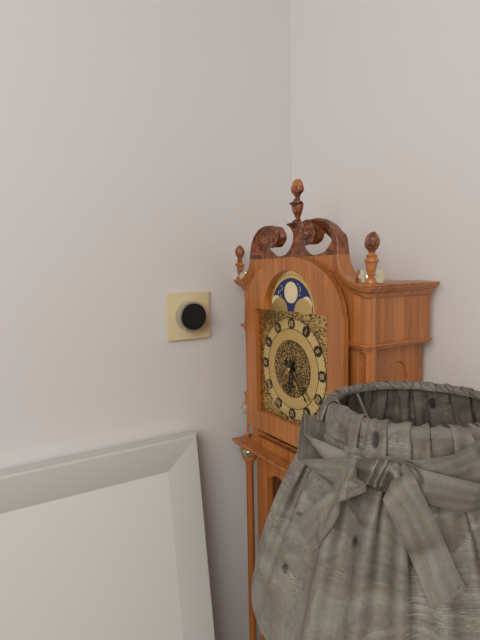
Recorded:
6.23
